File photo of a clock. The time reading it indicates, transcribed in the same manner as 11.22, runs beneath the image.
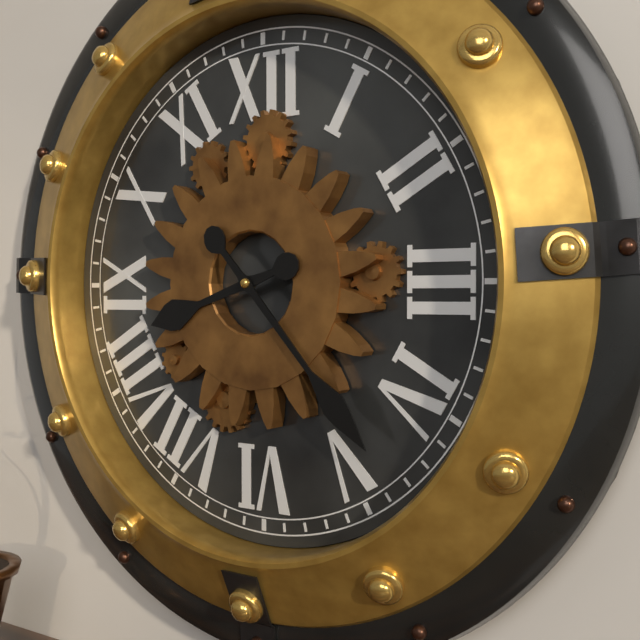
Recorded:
8.23
